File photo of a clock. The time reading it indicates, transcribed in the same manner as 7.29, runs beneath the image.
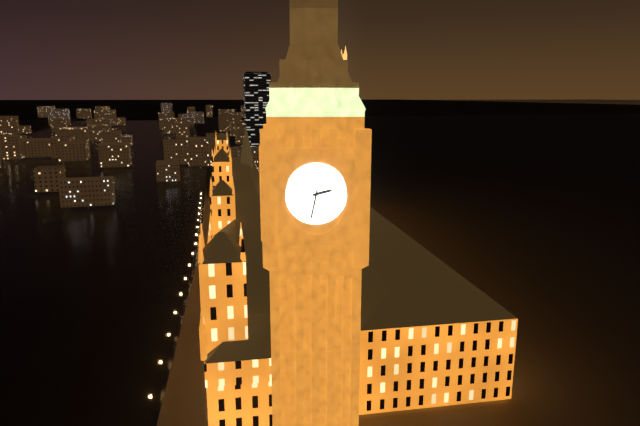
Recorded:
2.32
